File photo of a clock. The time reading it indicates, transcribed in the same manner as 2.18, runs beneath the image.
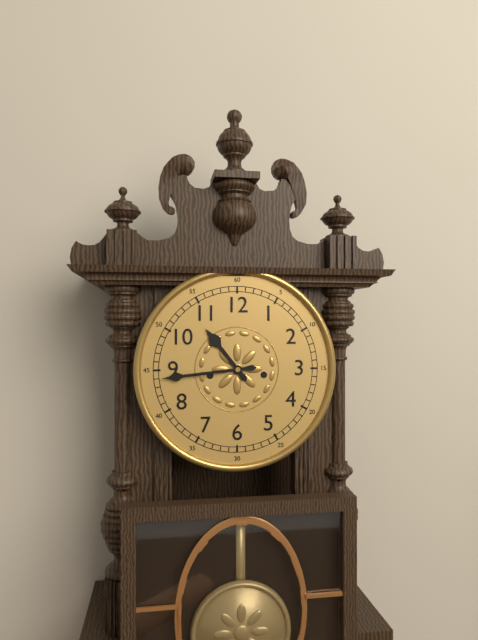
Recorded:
10.44
